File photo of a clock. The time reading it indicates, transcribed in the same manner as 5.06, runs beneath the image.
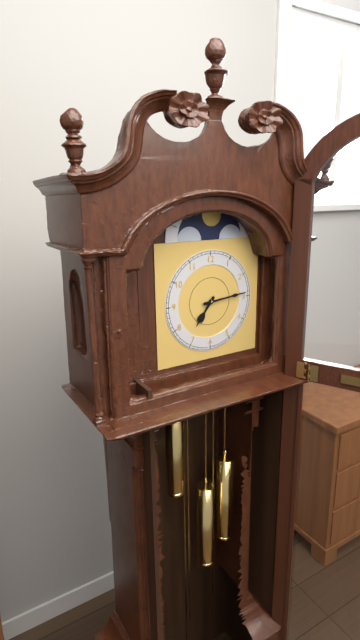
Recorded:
7.14
